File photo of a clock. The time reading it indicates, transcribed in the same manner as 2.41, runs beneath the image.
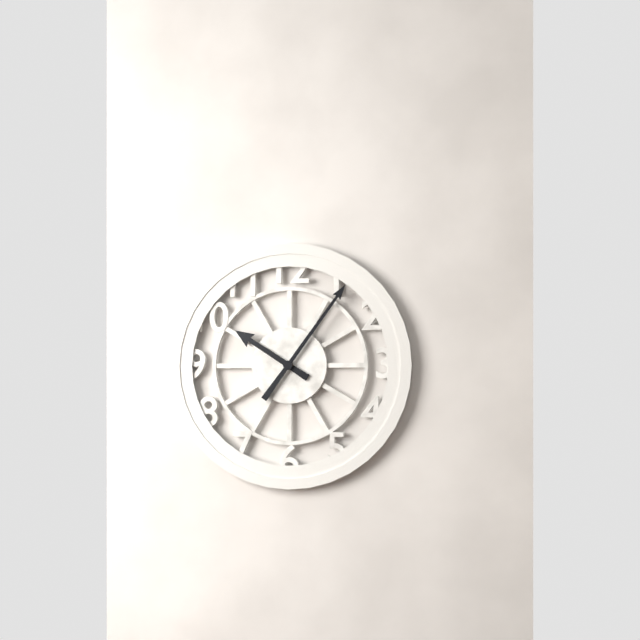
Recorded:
10.06
